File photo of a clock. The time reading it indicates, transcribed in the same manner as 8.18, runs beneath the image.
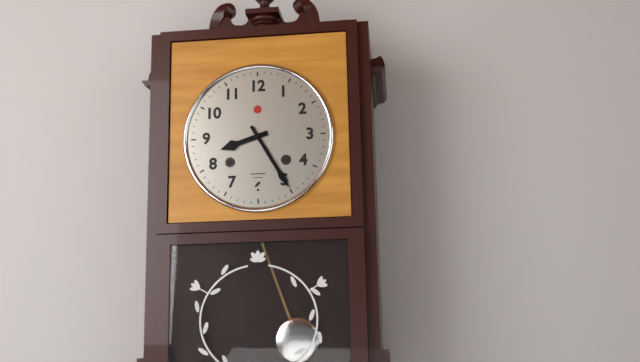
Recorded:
8.25
